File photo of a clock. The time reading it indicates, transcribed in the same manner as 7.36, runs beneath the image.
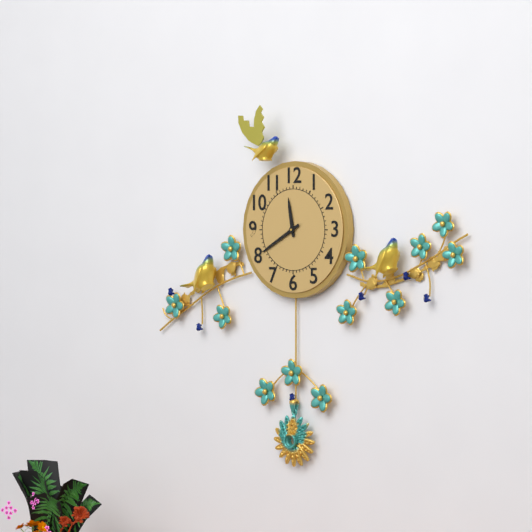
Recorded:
11.40
